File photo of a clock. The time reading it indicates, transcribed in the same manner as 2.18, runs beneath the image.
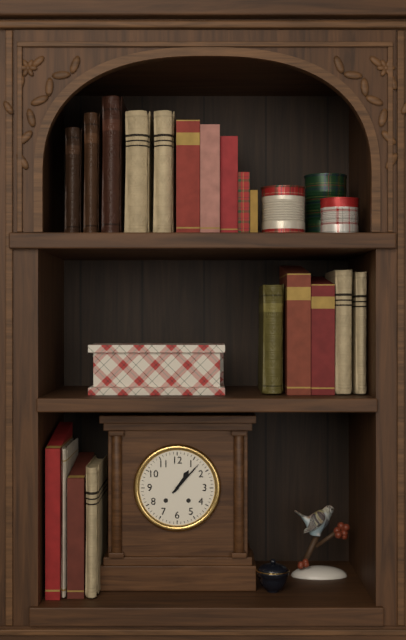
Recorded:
1.07
